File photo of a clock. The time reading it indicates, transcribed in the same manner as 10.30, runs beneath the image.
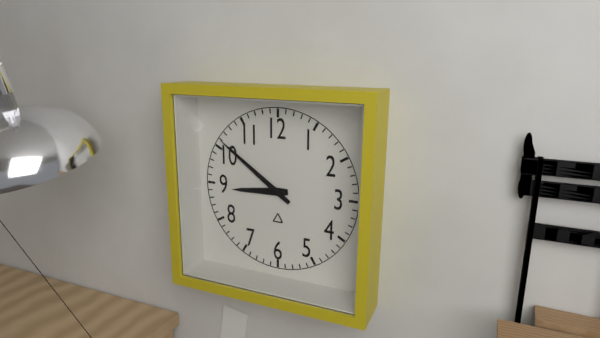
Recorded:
8.51
